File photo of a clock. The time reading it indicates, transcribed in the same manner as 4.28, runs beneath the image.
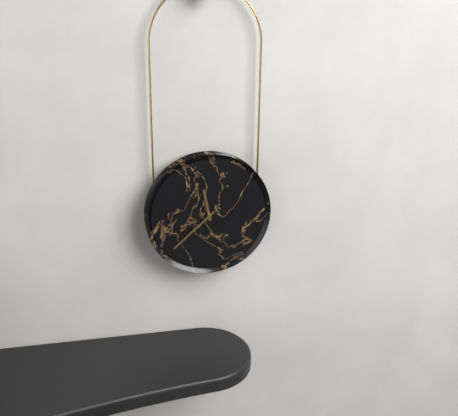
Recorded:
11.38
